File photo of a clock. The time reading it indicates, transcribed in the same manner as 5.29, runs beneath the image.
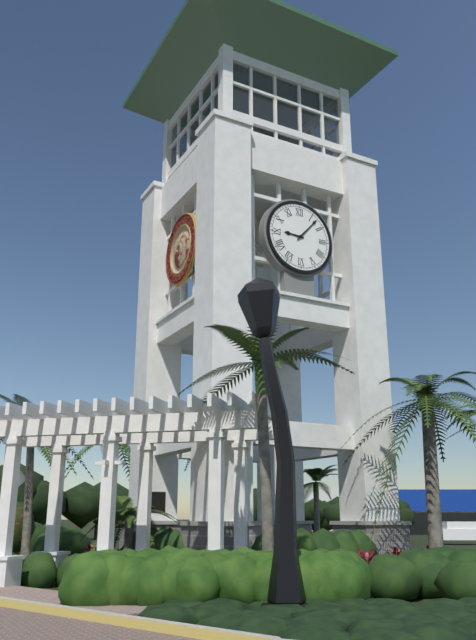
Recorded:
9.07
